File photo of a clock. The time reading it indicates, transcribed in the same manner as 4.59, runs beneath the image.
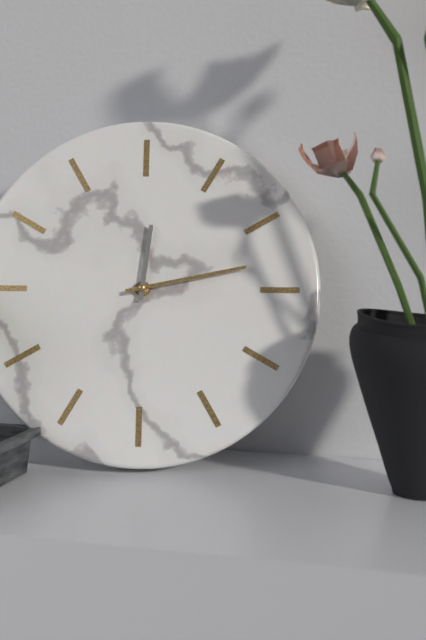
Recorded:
12.13
